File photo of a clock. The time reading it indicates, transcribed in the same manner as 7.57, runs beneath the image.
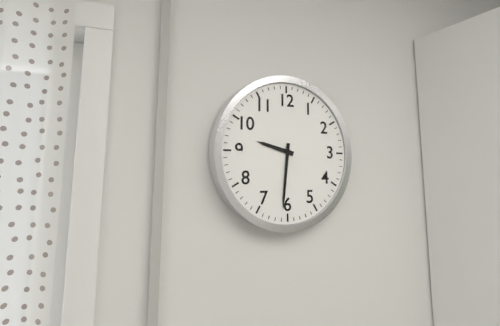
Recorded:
9.31
